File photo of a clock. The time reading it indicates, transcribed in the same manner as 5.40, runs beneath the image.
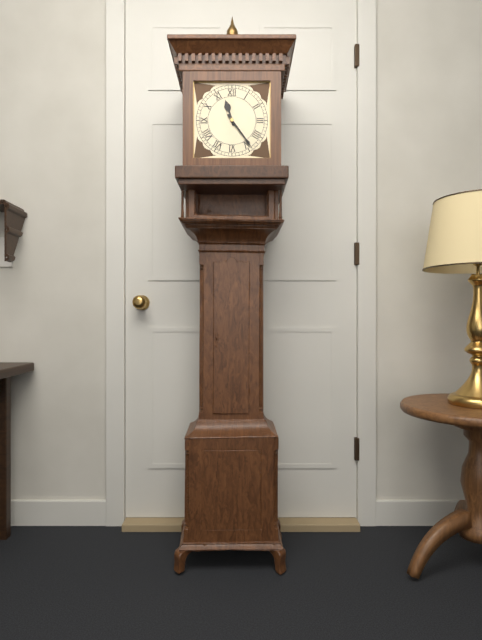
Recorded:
11.24
